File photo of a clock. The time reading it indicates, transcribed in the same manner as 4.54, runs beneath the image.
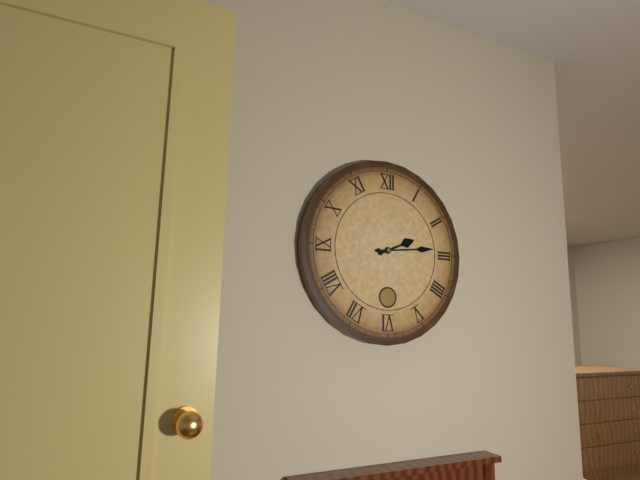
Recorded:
2.14
